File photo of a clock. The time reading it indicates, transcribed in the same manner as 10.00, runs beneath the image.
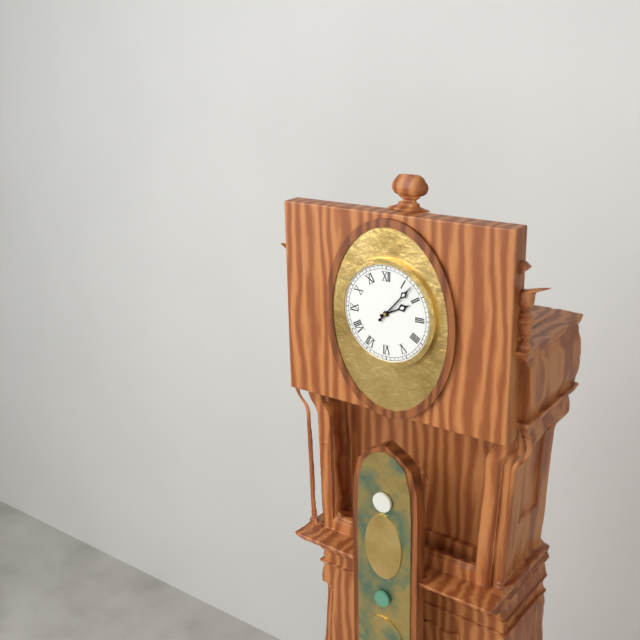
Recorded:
2.07
